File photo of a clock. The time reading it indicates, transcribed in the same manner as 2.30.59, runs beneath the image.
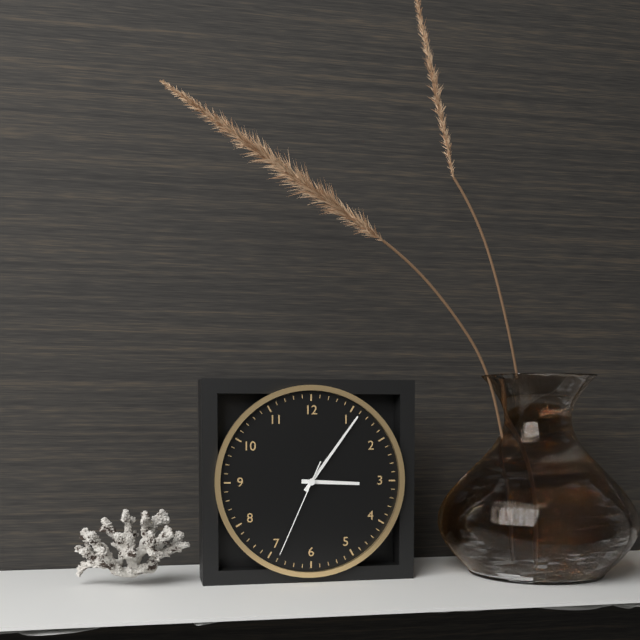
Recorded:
3.06.34
